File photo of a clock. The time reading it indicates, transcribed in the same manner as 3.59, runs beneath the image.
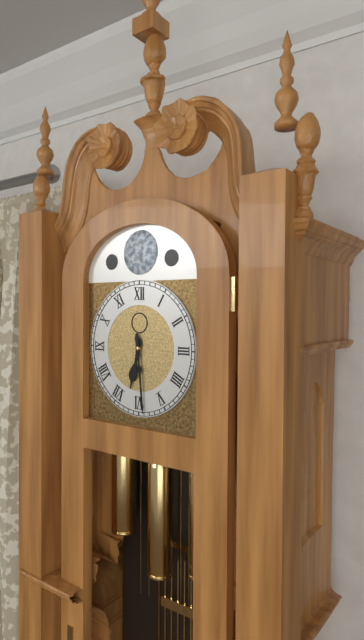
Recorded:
6.29
